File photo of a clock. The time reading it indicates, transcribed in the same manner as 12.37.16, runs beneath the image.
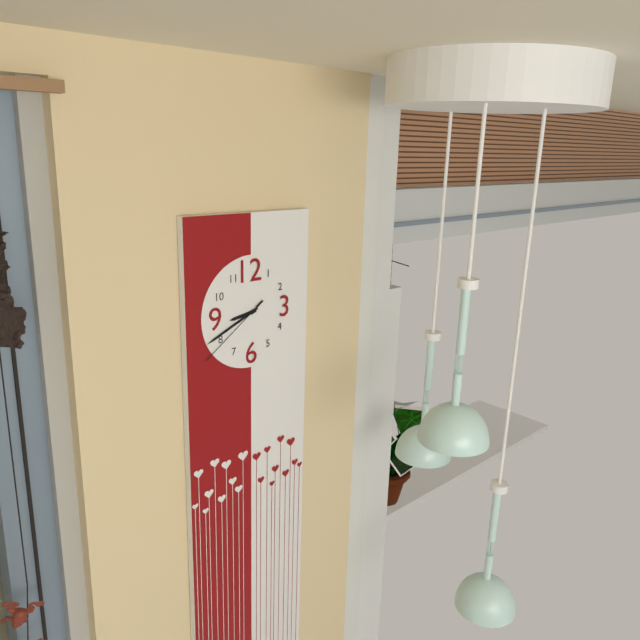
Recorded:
8.41.39
